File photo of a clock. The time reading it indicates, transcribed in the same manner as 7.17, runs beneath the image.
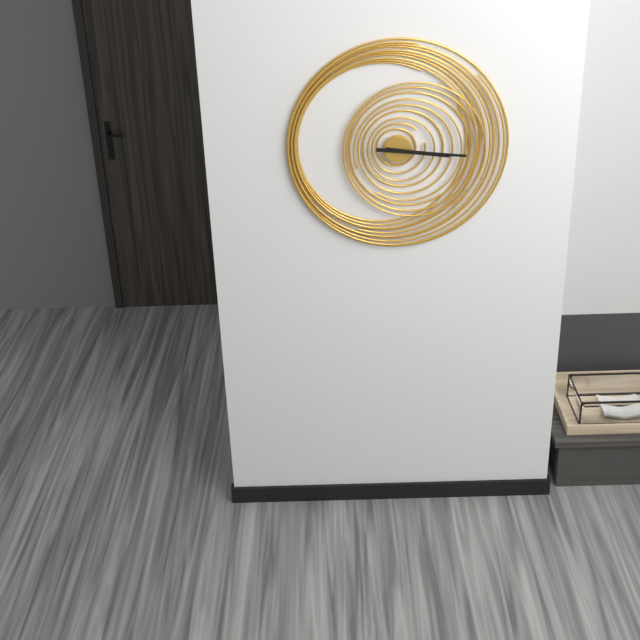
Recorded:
3.16
